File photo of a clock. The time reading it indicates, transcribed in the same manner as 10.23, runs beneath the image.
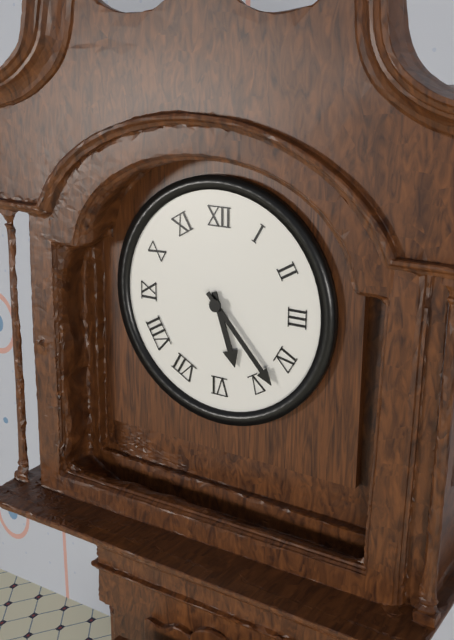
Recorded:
5.23
